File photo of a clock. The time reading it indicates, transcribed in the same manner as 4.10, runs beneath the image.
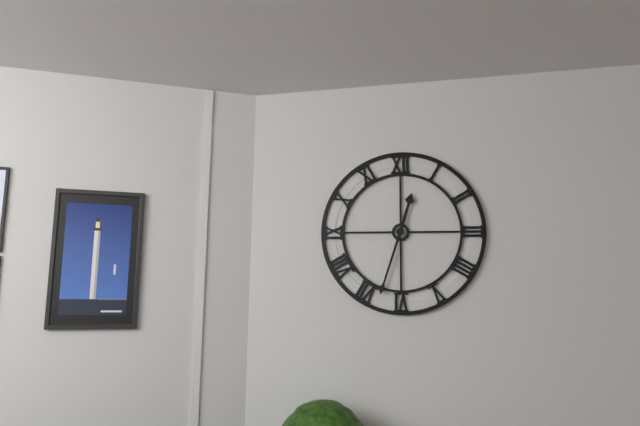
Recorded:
12.33
